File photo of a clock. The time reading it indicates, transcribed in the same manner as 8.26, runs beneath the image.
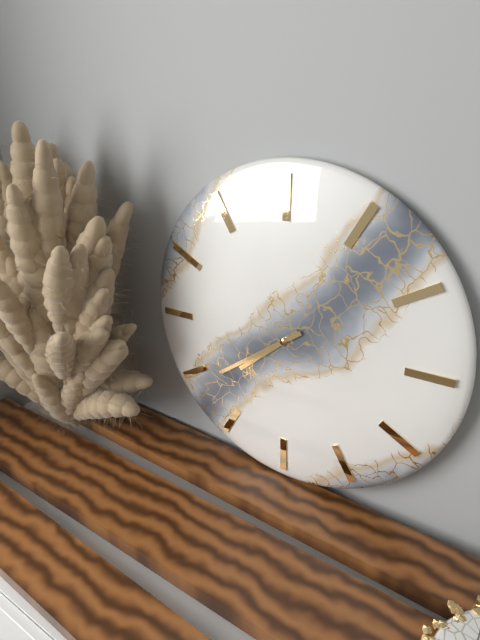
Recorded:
7.39
